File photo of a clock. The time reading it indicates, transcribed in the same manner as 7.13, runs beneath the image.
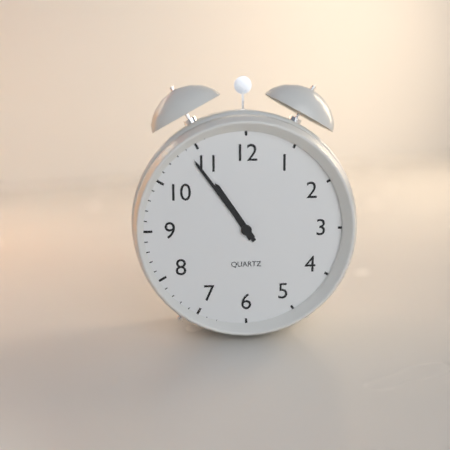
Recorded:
10.54
